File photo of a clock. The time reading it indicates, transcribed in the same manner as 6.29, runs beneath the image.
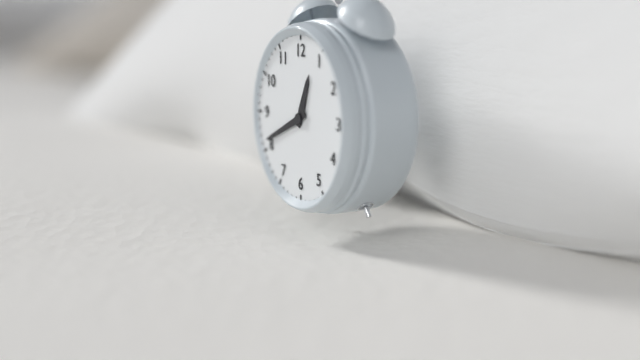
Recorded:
12.41
